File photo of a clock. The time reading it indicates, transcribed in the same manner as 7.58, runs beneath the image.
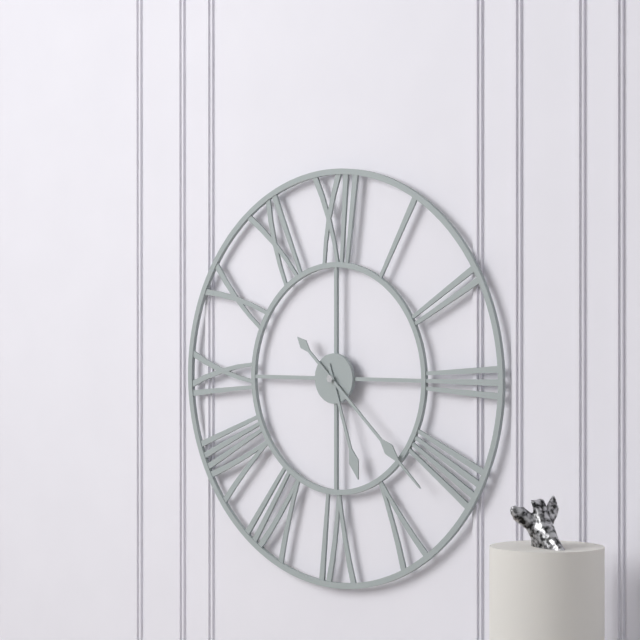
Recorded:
5.22
